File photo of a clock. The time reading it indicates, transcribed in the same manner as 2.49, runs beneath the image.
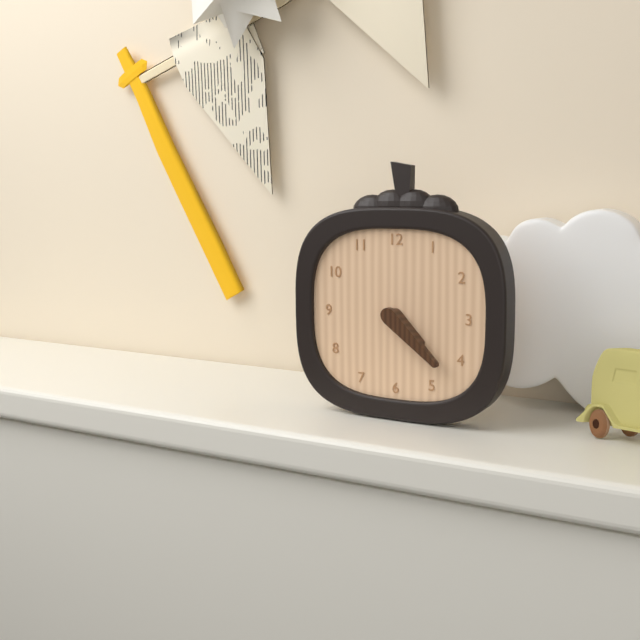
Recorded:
4.22
